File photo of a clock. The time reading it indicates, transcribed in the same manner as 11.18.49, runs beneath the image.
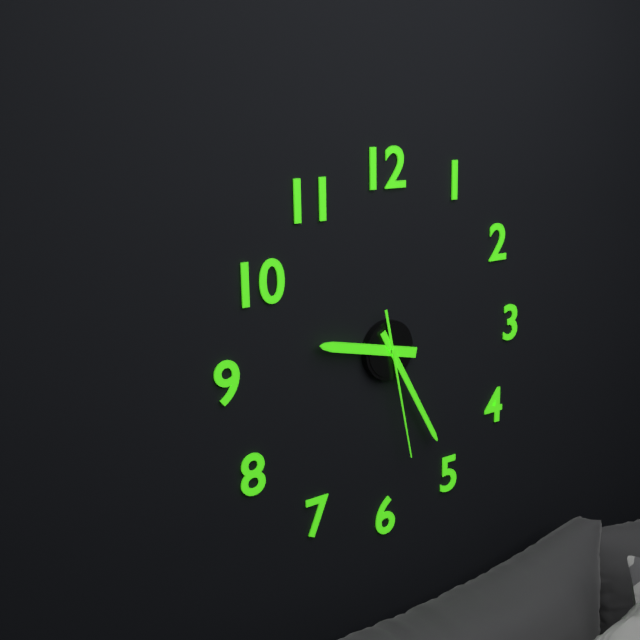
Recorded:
9.25.28
